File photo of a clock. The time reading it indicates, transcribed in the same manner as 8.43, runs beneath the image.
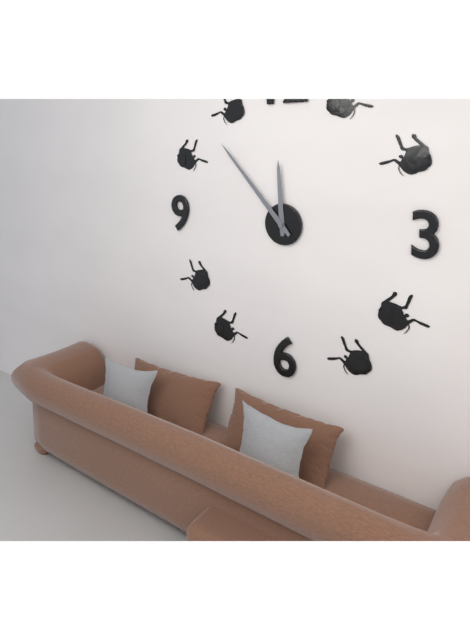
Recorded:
11.53
